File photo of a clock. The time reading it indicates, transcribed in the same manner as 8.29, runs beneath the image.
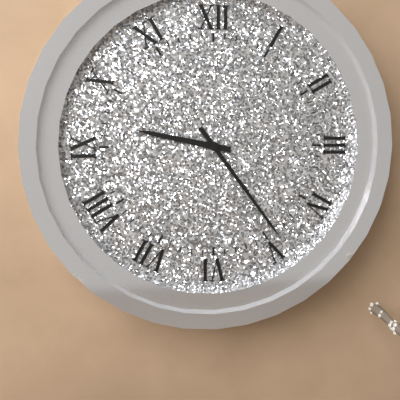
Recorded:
9.24
